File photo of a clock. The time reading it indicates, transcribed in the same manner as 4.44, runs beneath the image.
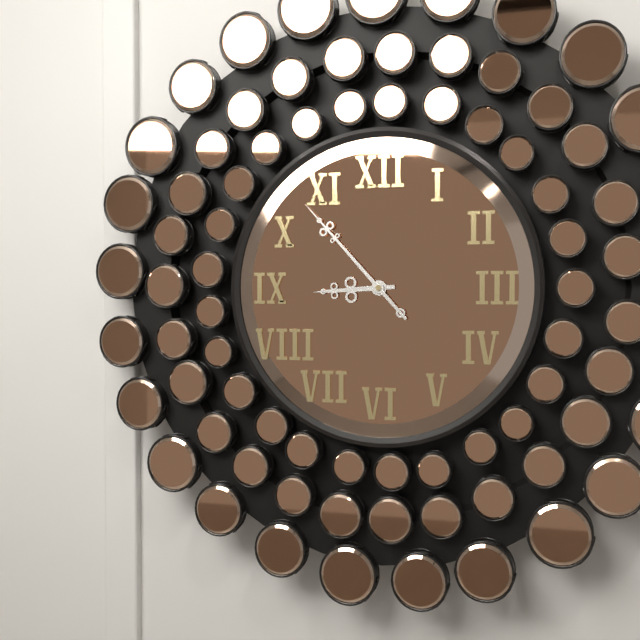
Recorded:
8.53
